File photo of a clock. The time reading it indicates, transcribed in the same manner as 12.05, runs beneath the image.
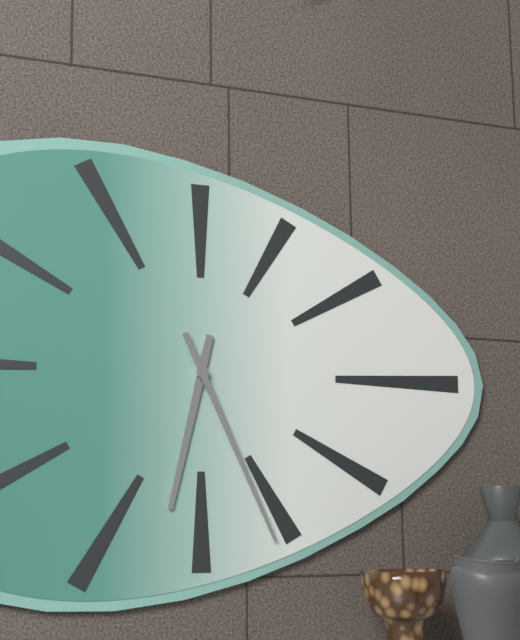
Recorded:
6.26
